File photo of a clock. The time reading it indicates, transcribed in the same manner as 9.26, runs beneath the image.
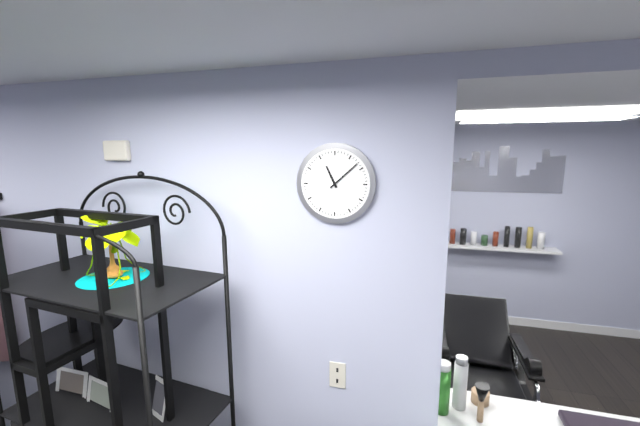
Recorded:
11.08
